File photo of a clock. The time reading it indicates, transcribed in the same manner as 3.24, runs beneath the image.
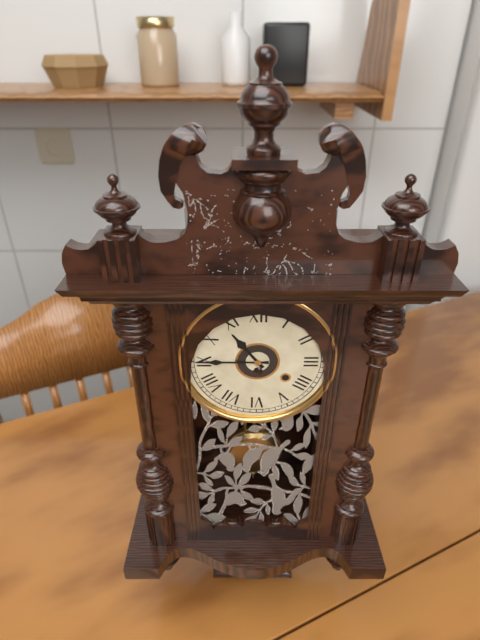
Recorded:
10.45
